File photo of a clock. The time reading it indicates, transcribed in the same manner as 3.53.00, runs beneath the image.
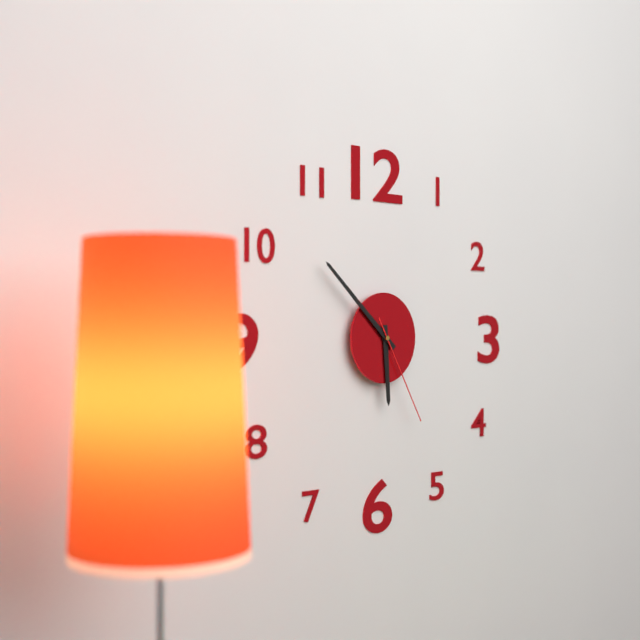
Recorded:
5.52.25
